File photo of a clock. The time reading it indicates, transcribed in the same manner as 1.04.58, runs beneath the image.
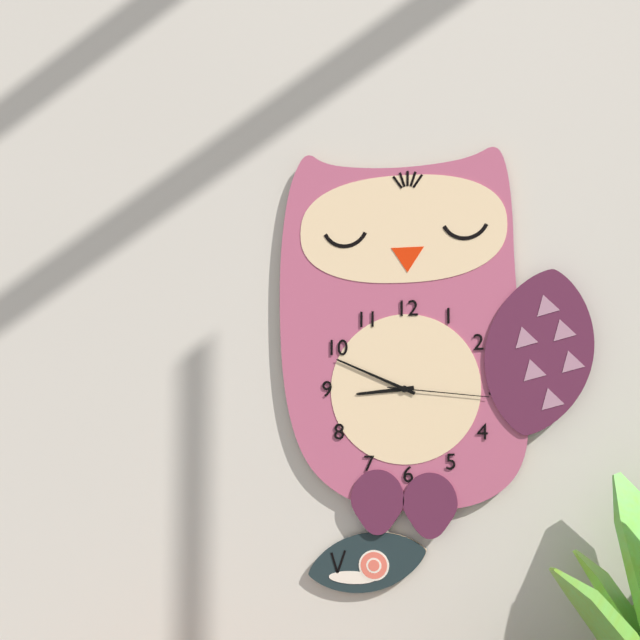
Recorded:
8.49.16
